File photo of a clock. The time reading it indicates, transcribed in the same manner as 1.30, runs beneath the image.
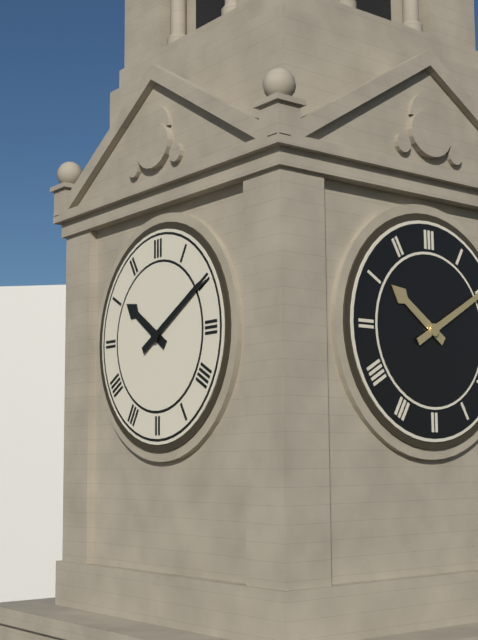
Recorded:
10.10
